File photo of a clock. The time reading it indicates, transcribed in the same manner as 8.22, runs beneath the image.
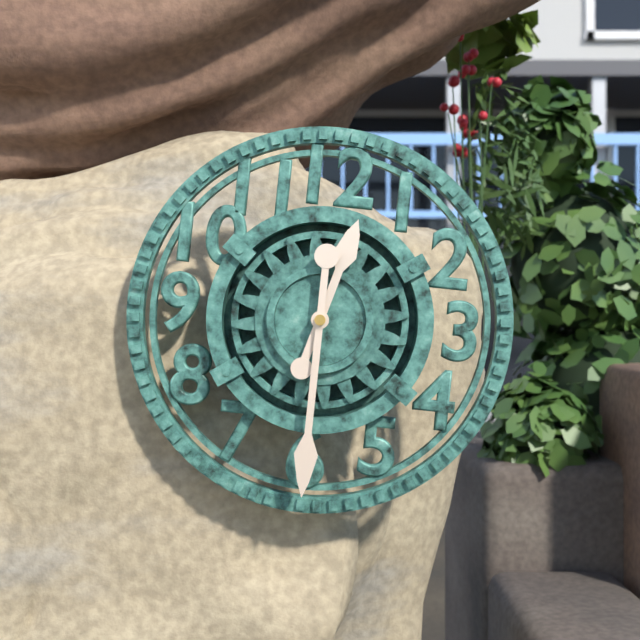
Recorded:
12.30
